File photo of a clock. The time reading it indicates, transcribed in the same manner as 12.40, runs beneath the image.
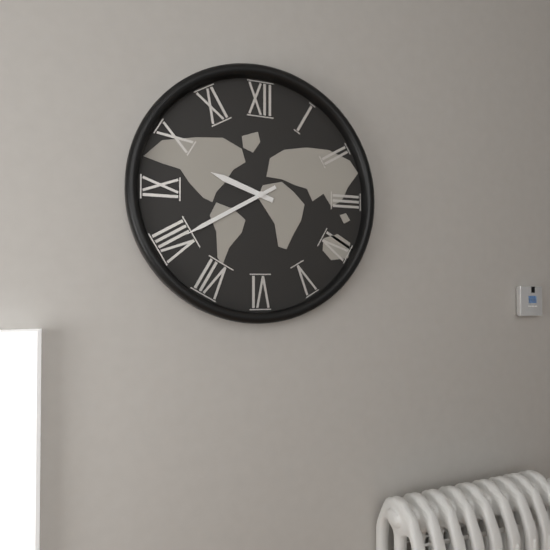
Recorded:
9.40
